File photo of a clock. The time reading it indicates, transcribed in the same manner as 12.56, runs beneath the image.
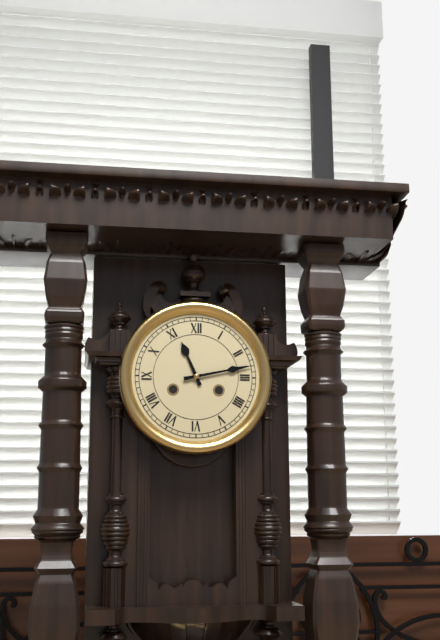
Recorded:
11.13
